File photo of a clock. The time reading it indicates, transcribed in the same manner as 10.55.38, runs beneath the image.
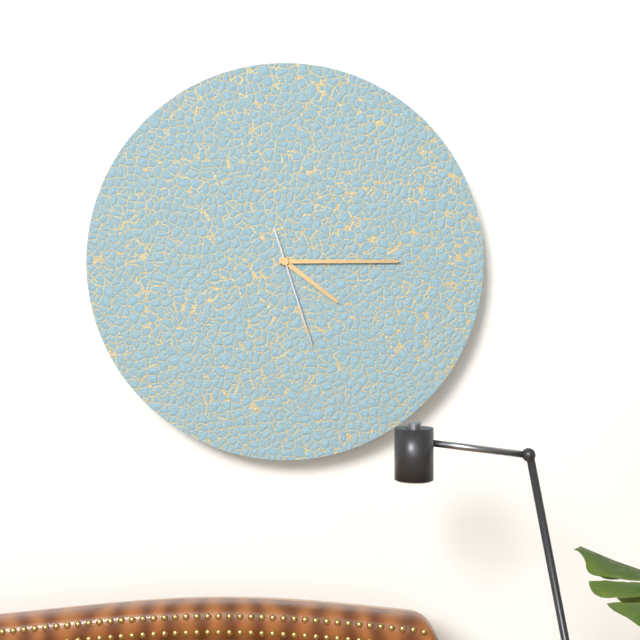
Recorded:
4.15.27
